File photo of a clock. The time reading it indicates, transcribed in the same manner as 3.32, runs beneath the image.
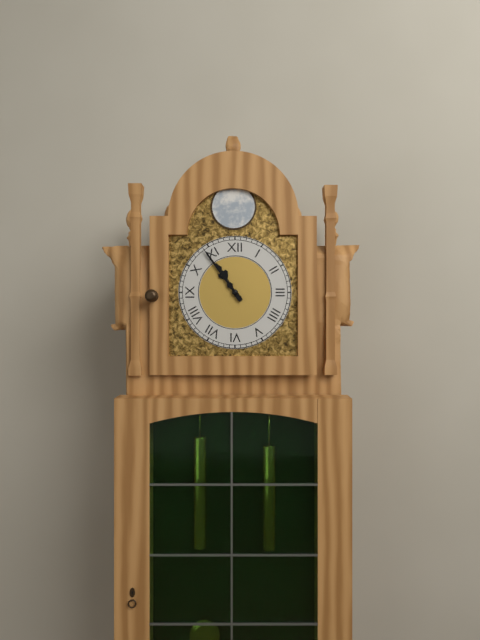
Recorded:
10.54
